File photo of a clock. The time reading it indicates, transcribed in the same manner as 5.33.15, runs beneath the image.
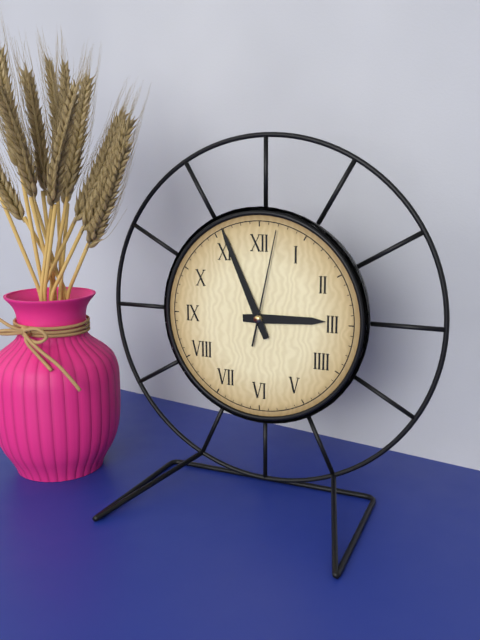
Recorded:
2.56.02
